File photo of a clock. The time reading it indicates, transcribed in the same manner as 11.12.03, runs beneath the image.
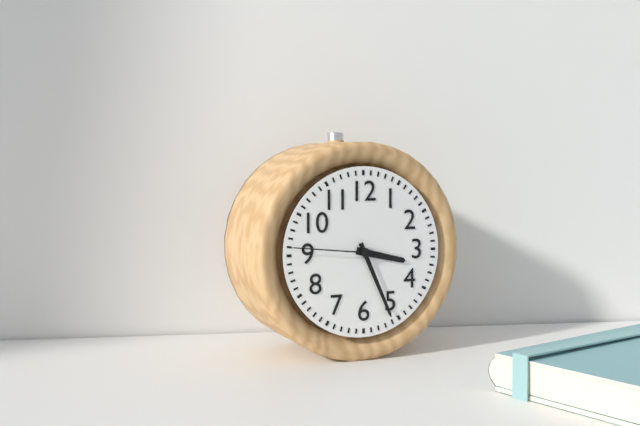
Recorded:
3.26.46
